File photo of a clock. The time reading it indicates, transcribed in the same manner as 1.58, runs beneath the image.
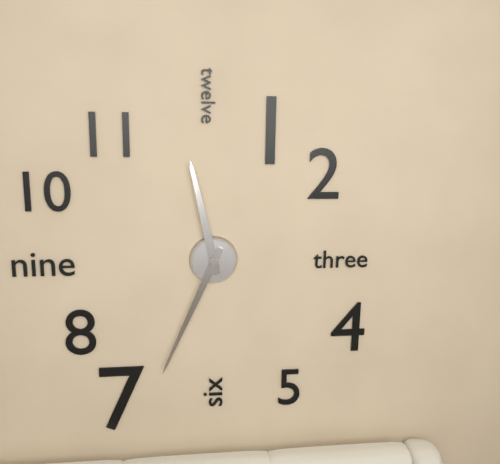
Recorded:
11.34
